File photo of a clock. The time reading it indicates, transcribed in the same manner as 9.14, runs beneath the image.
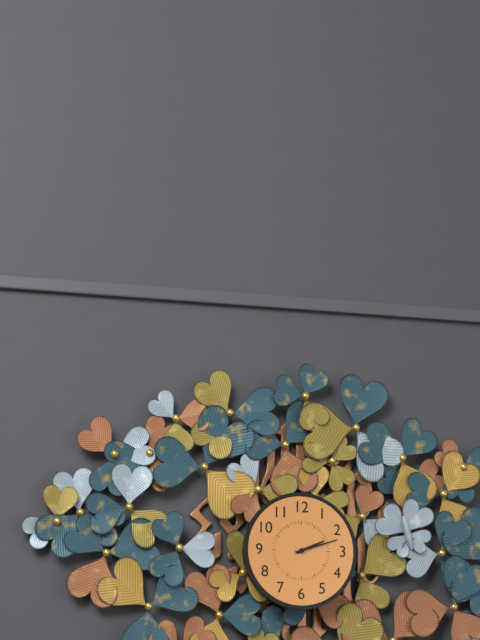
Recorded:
2.12
